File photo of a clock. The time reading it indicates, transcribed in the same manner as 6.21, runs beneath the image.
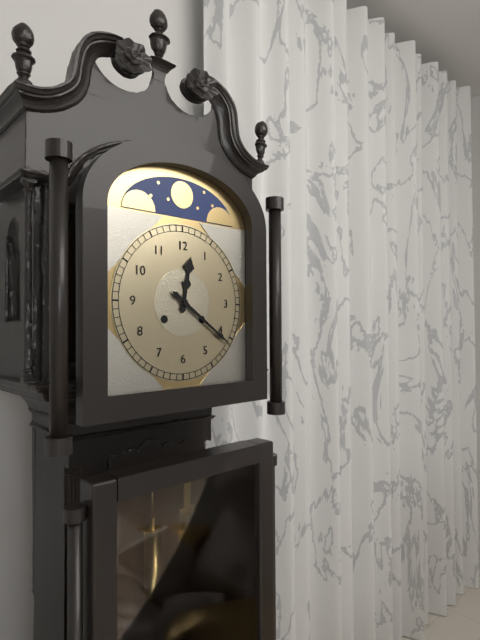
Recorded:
12.21
